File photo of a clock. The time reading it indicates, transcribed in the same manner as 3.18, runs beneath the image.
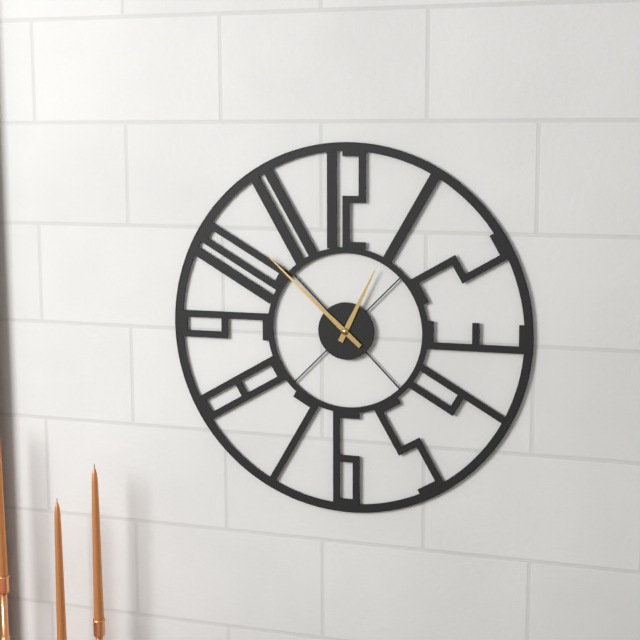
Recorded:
12.52
